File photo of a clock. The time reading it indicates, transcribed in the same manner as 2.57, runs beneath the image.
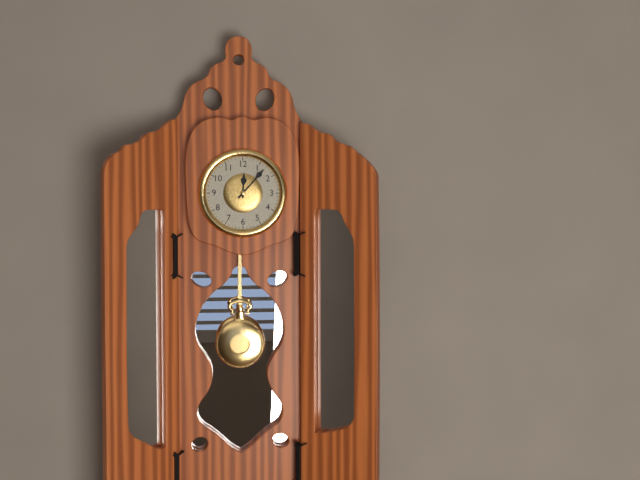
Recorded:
12.07
